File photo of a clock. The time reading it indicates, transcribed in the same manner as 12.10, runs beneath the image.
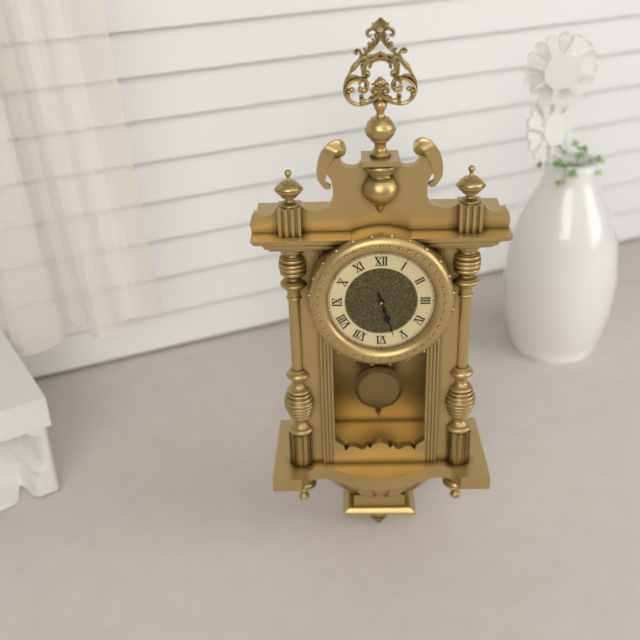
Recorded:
5.27
